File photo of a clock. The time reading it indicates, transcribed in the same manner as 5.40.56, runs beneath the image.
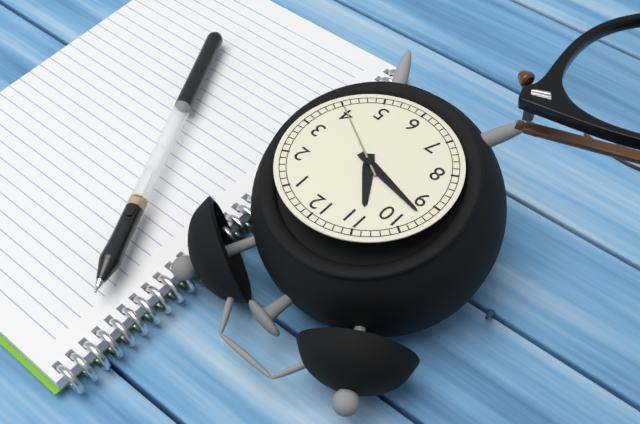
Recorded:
10.47.20
